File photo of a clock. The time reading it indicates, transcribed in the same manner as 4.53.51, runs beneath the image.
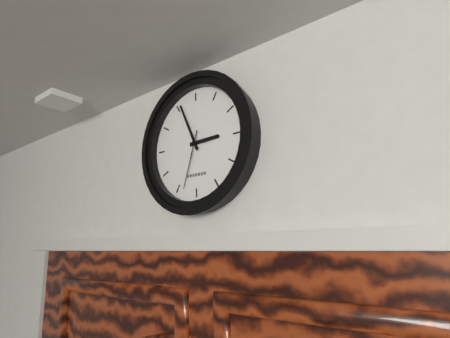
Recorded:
2.56.33
